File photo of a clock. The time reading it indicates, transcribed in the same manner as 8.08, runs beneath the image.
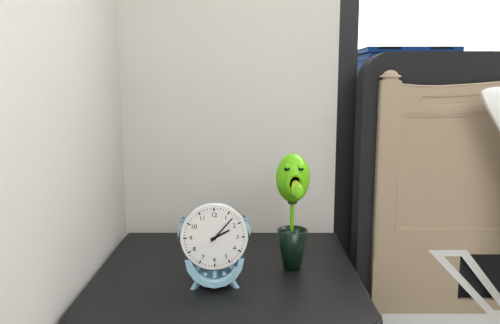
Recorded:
2.07
